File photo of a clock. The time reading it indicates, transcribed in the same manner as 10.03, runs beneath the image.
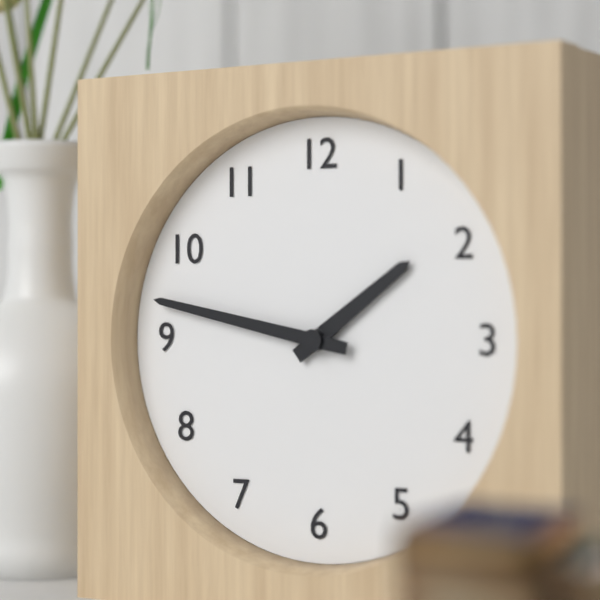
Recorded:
1.47
